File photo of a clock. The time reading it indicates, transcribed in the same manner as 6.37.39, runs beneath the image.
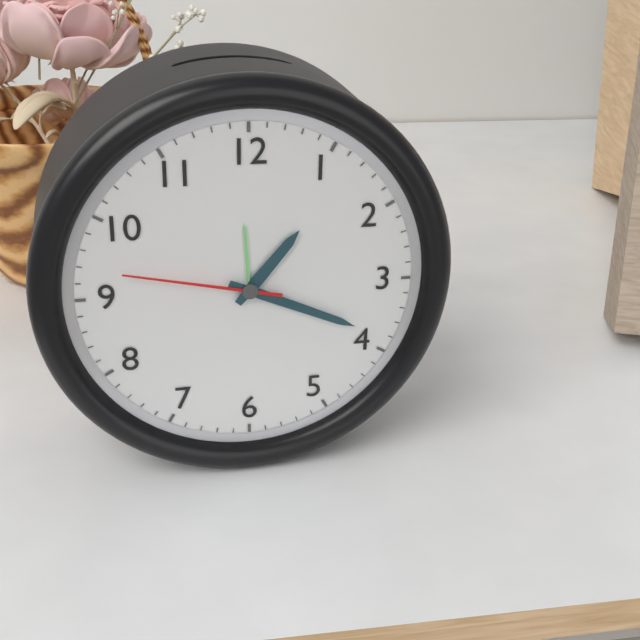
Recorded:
1.19.47
